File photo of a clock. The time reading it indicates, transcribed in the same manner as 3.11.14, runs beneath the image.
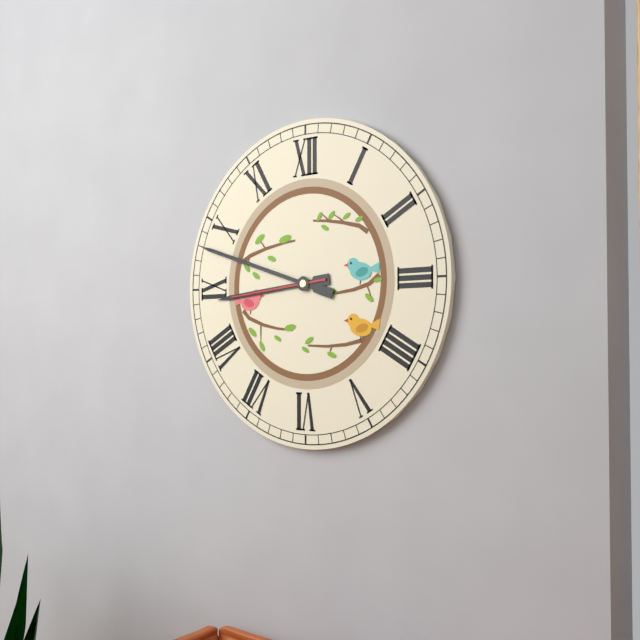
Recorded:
8.48.44
